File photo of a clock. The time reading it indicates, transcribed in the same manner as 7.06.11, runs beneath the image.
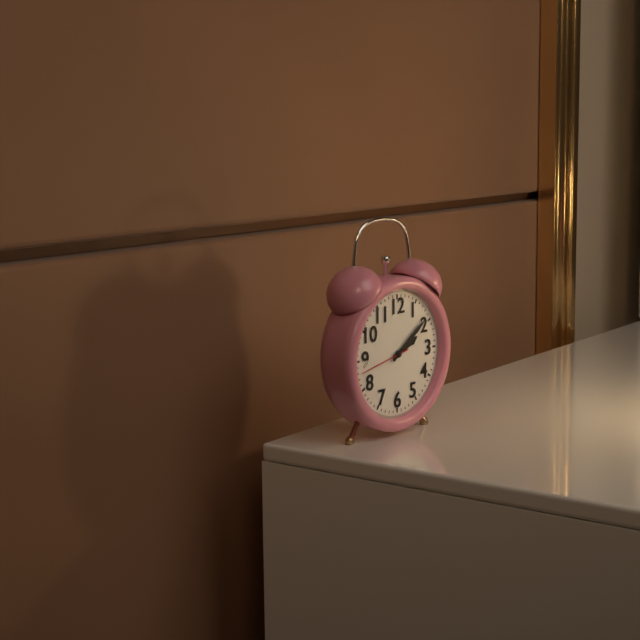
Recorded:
2.09.43
